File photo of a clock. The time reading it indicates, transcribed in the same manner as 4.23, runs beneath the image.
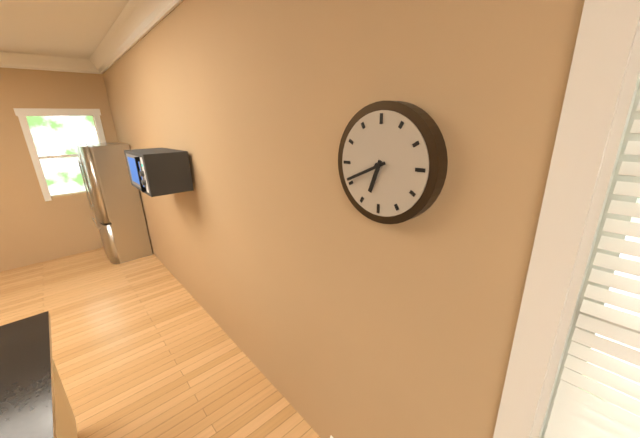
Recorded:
6.41
